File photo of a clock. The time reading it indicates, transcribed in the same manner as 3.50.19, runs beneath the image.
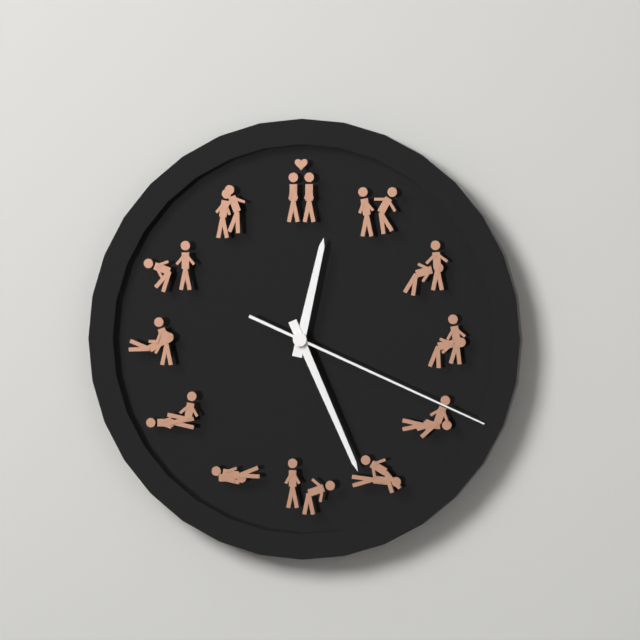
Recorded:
12.26.19
